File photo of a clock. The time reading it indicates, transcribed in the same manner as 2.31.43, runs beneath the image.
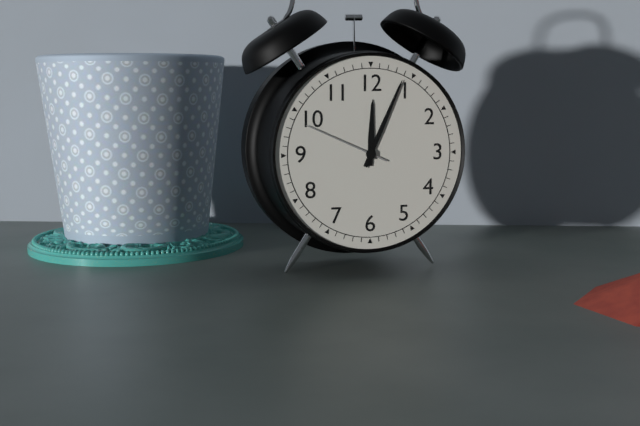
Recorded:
12.04.49
